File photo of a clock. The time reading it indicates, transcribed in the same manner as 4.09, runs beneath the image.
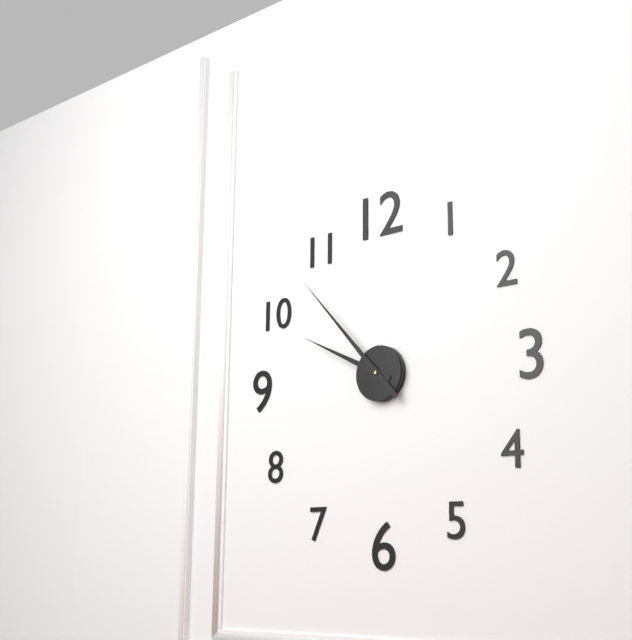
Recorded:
9.53
